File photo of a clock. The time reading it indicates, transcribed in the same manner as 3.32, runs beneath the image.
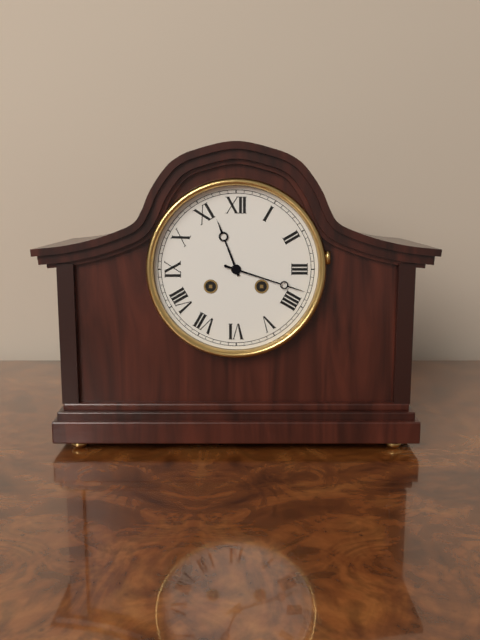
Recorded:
11.18
